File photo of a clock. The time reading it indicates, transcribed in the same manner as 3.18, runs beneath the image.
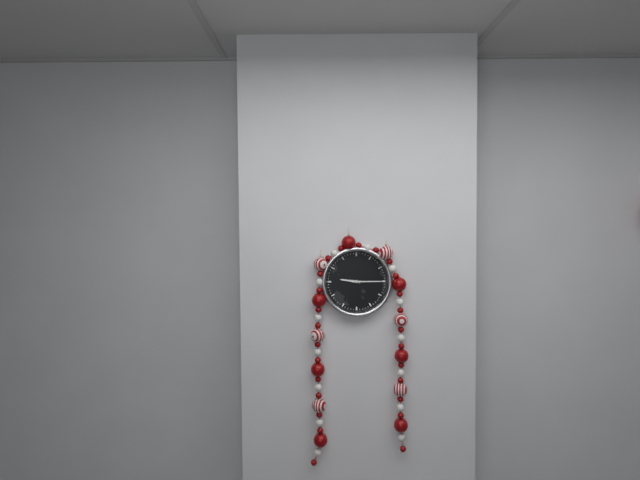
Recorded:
9.15
